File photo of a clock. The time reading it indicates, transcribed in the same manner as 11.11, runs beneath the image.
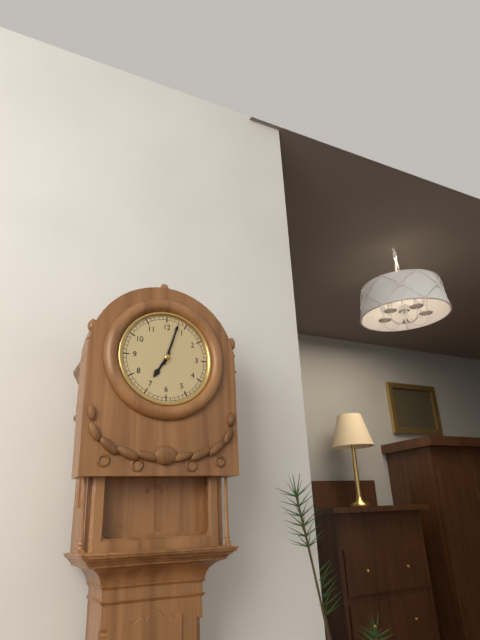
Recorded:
7.03
